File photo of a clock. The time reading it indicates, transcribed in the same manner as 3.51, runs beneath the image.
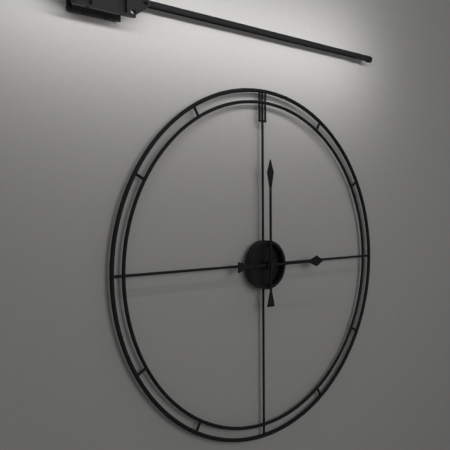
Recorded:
3.00
